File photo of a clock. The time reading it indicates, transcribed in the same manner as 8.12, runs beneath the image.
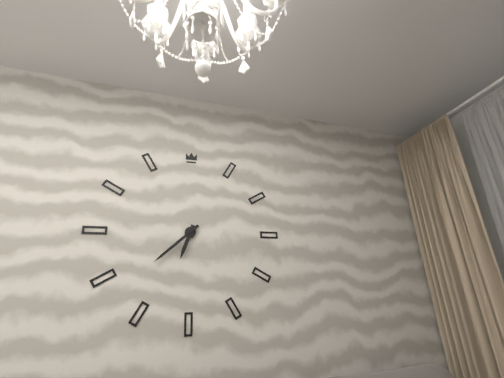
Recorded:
6.38
